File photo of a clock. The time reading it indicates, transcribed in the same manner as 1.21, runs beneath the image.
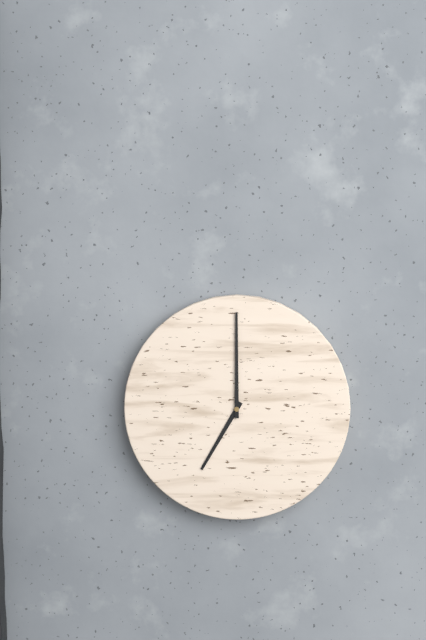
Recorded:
7.00
